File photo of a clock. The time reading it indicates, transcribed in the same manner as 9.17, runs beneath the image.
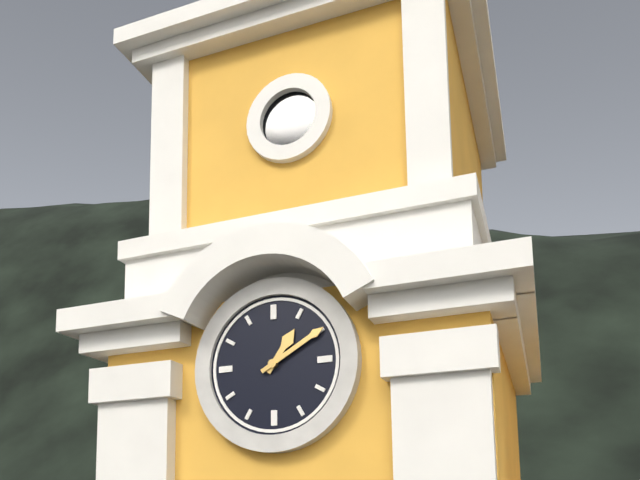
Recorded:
1.10
